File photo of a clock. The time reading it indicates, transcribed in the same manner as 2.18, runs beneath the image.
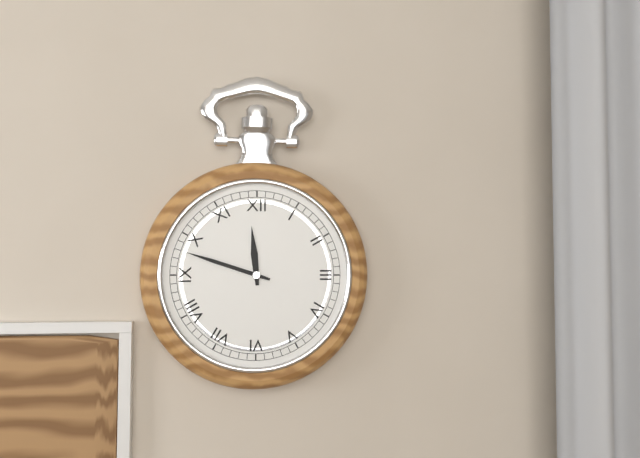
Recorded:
11.48
